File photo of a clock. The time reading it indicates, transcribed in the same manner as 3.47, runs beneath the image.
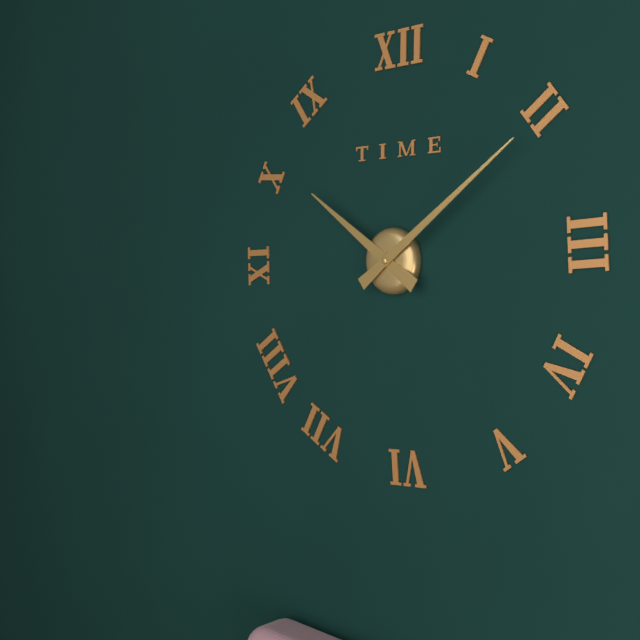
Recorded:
10.09
